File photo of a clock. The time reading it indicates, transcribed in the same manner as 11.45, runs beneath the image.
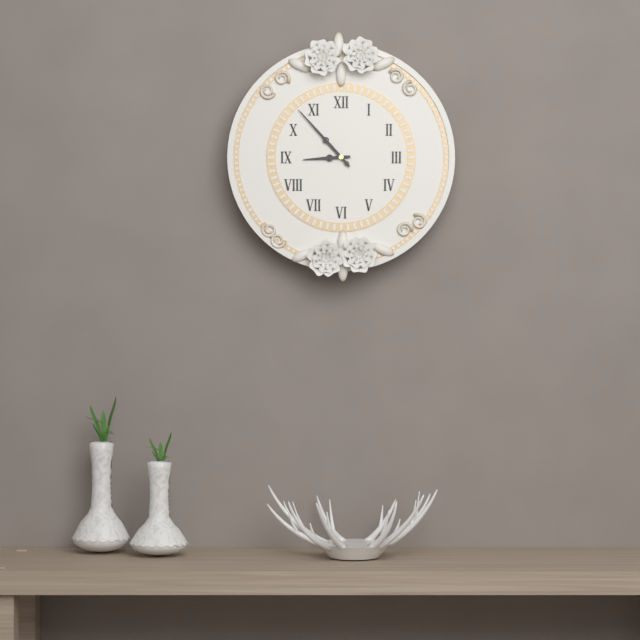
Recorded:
8.53
